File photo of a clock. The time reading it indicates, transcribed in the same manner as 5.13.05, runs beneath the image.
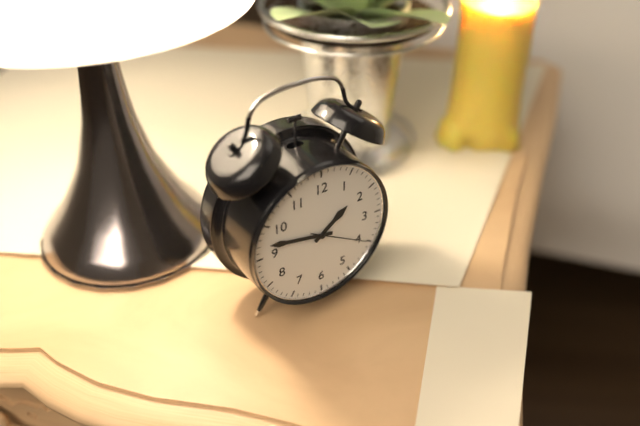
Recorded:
1.47.20
